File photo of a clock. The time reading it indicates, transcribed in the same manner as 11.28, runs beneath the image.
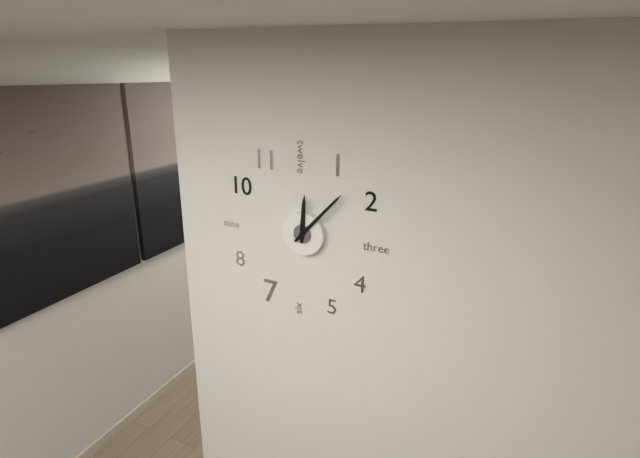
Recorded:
12.07
